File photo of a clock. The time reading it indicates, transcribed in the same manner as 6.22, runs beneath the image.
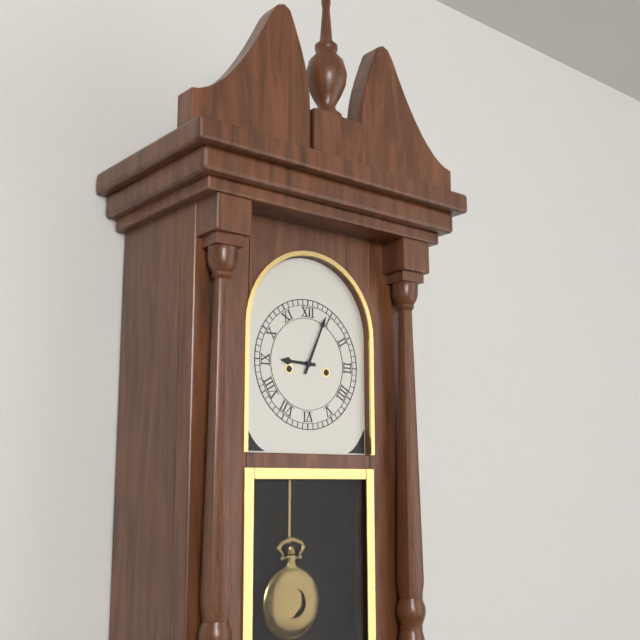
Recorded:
9.04
